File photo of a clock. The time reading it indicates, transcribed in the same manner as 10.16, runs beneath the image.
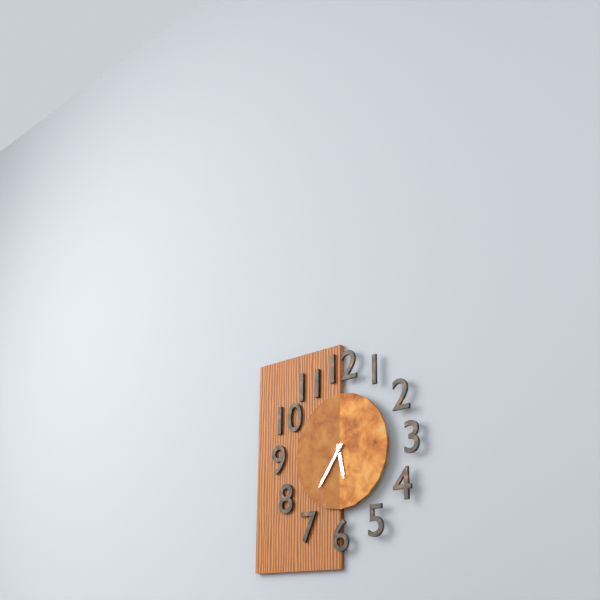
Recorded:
5.36
